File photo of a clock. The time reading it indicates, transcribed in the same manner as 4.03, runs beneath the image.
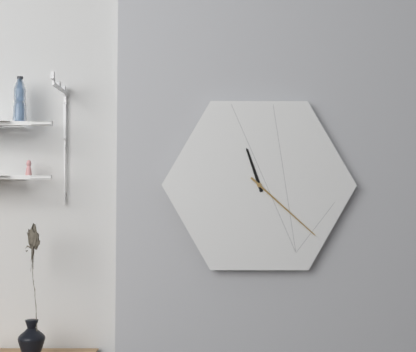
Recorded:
11.22
